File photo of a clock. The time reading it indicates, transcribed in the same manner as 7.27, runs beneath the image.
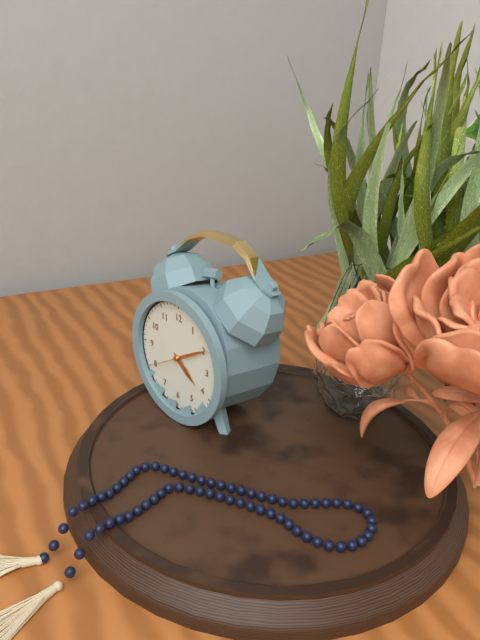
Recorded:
4.10
